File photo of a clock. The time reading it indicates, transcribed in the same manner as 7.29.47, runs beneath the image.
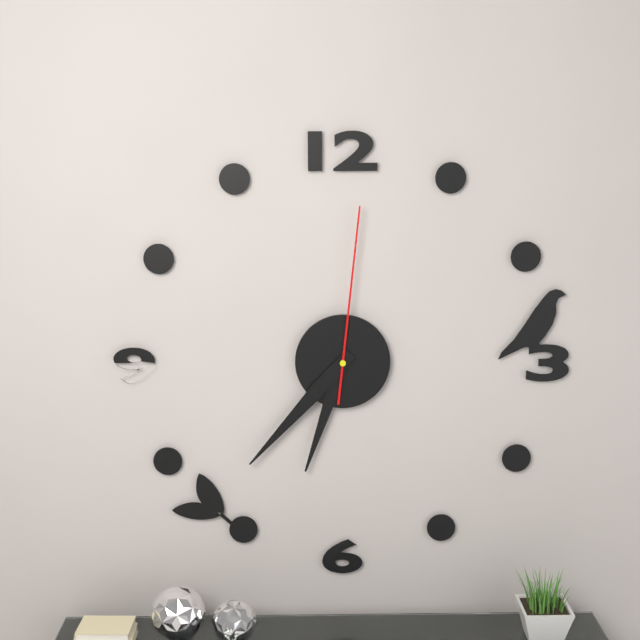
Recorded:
6.37.01
